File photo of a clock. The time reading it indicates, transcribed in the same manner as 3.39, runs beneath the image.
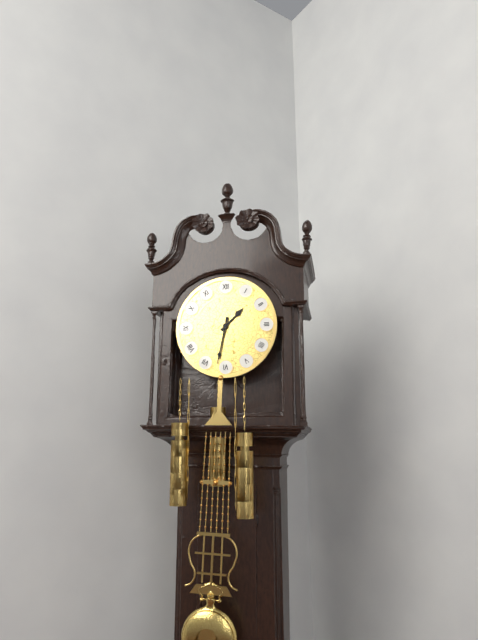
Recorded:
1.32
